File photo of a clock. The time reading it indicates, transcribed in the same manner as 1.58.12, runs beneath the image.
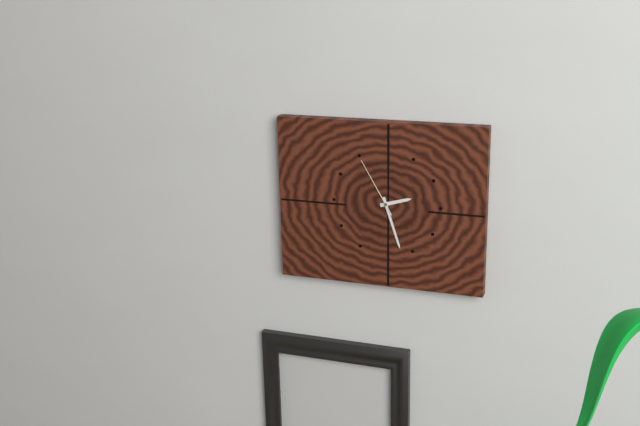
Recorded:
2.27.55
